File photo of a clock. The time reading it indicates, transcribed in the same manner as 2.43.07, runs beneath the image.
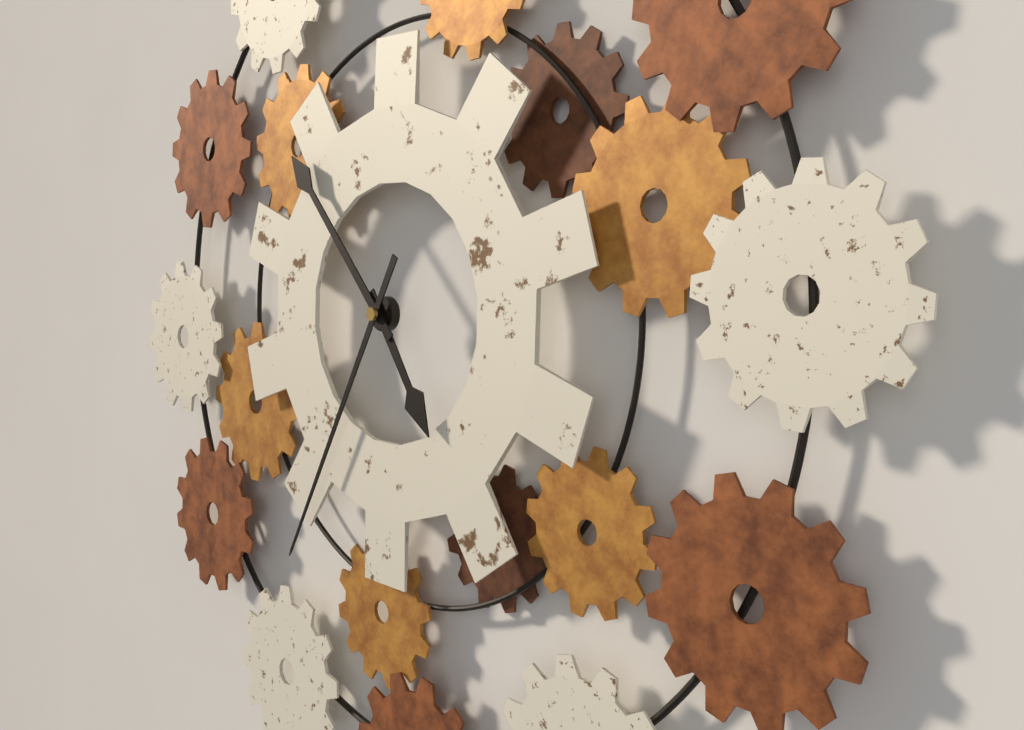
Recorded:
4.53.35
